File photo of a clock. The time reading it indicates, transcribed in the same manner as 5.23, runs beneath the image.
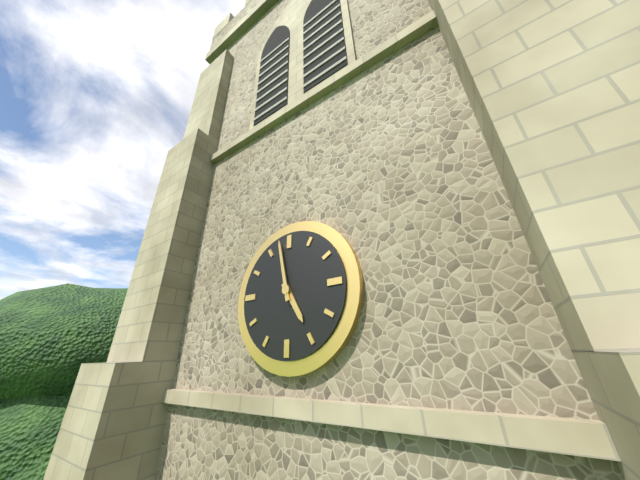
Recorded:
4.58
